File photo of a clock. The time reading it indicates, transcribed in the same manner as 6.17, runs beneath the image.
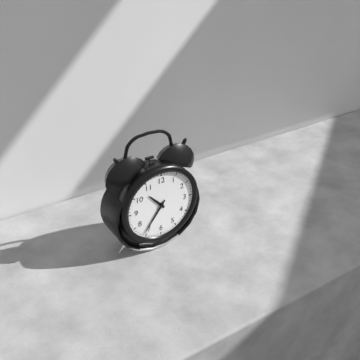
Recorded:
10.36
